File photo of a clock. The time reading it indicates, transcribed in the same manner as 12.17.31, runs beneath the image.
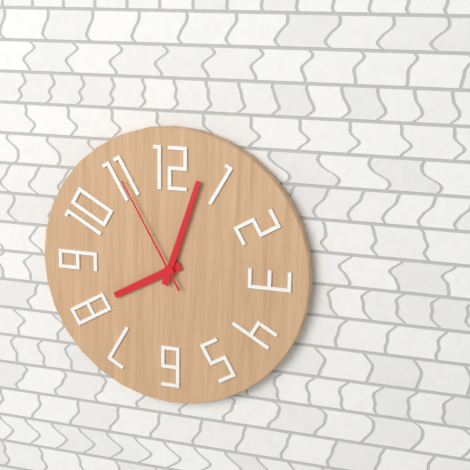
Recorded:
8.03.55
